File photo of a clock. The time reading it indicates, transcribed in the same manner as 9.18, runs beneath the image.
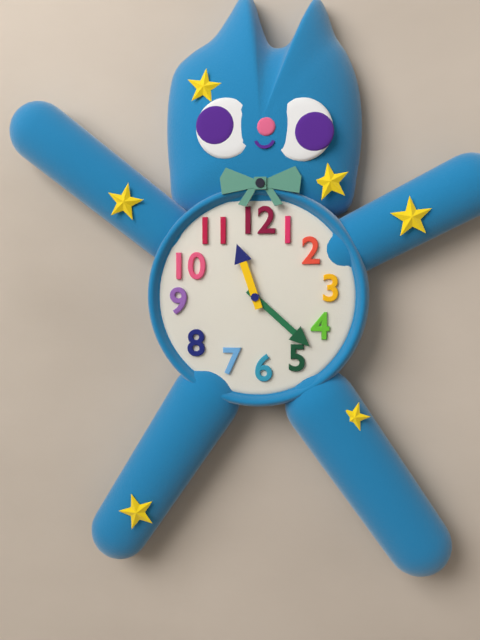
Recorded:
11.22
